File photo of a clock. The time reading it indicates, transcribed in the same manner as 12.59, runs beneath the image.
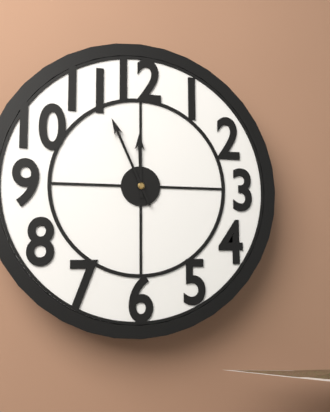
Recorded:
11.56
